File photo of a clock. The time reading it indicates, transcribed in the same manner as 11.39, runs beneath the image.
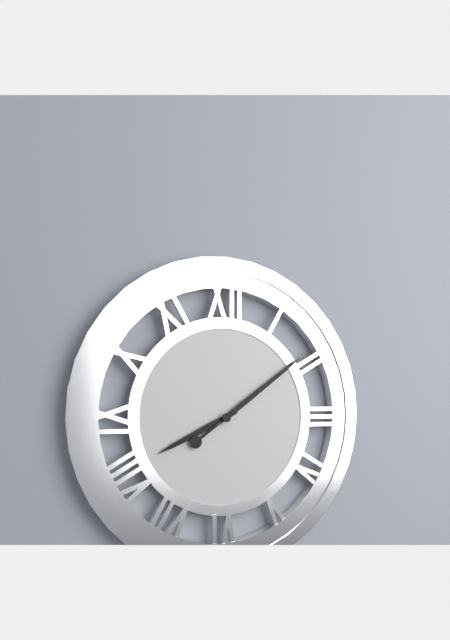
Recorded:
8.09
